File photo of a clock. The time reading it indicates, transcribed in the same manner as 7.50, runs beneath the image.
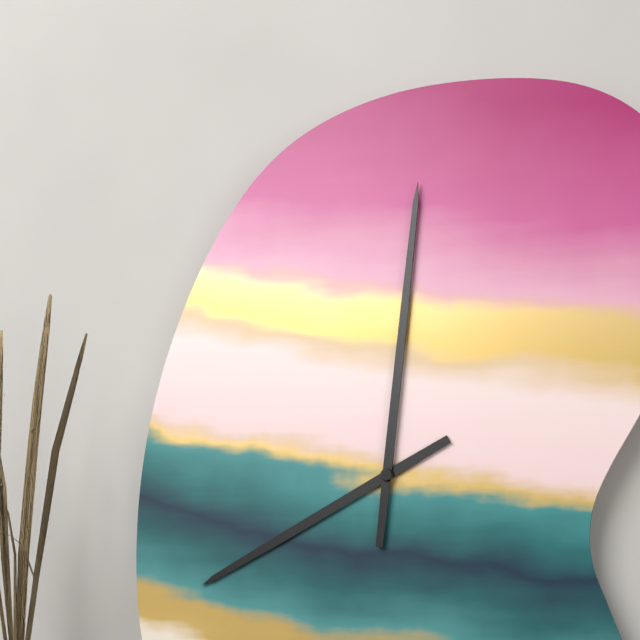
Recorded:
8.01
